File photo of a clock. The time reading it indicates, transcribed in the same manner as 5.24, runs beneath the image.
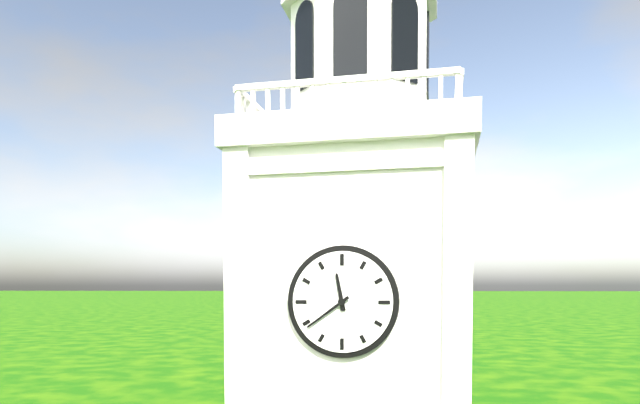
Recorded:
11.39
